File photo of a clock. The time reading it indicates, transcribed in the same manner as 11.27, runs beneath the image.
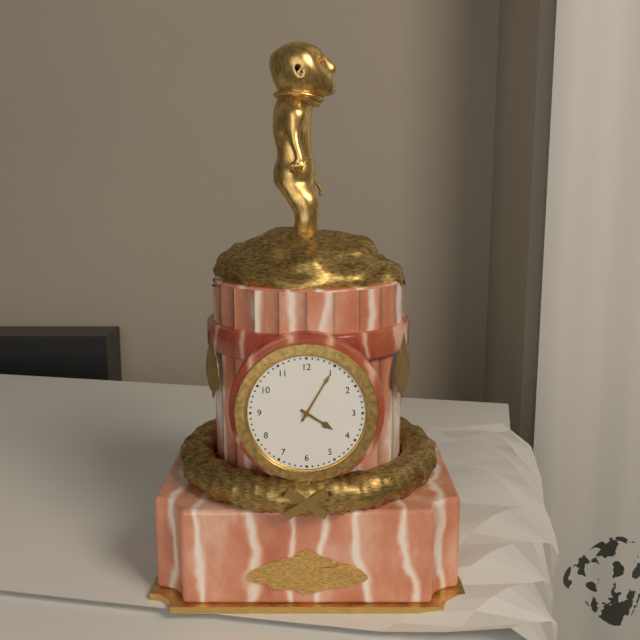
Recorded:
4.05
